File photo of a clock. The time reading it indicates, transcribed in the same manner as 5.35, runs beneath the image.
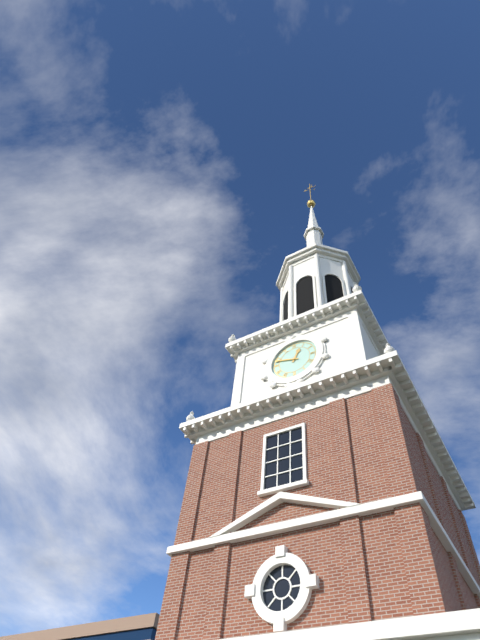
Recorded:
12.48
